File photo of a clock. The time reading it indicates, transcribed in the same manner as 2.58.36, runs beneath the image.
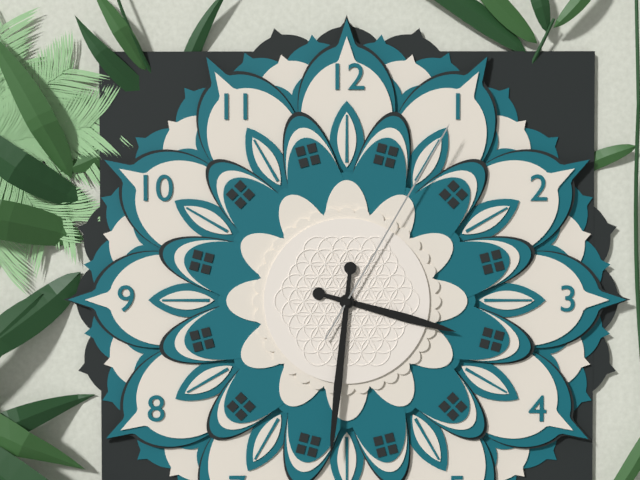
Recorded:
3.31.05
